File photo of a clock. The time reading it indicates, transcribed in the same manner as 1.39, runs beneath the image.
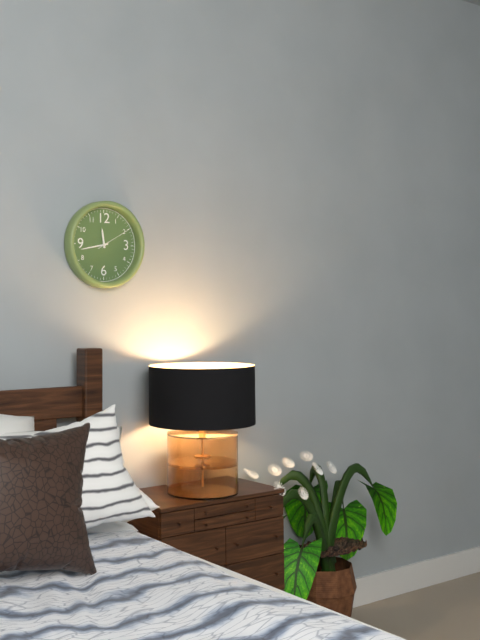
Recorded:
11.43
